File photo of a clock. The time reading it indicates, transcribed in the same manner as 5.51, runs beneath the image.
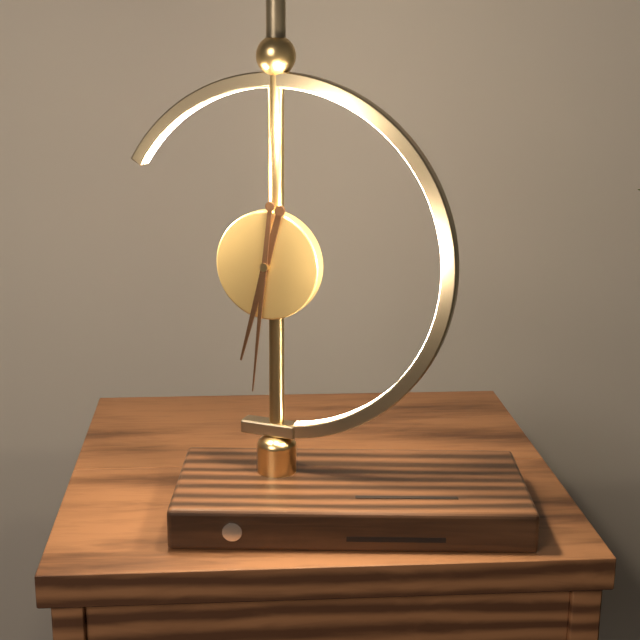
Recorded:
6.31
